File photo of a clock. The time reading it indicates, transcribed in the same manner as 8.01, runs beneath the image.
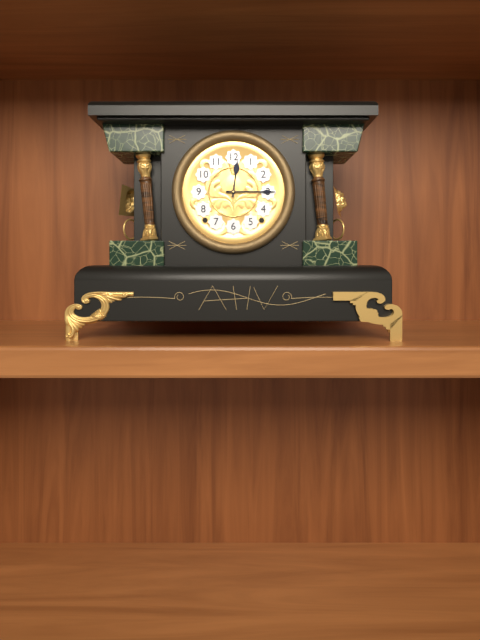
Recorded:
12.15
